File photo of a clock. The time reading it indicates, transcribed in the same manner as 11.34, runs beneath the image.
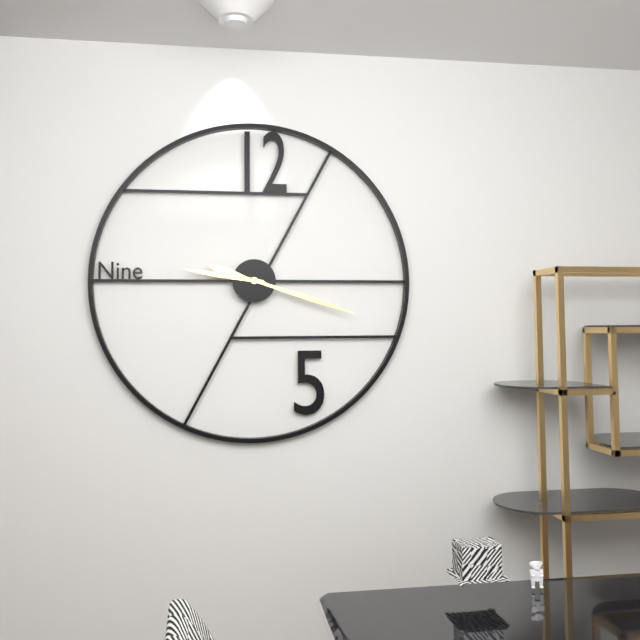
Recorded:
9.18
